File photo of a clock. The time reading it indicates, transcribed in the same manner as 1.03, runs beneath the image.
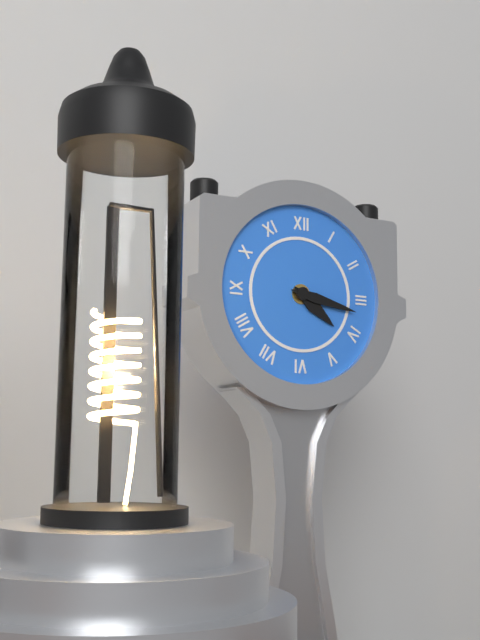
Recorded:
4.17
